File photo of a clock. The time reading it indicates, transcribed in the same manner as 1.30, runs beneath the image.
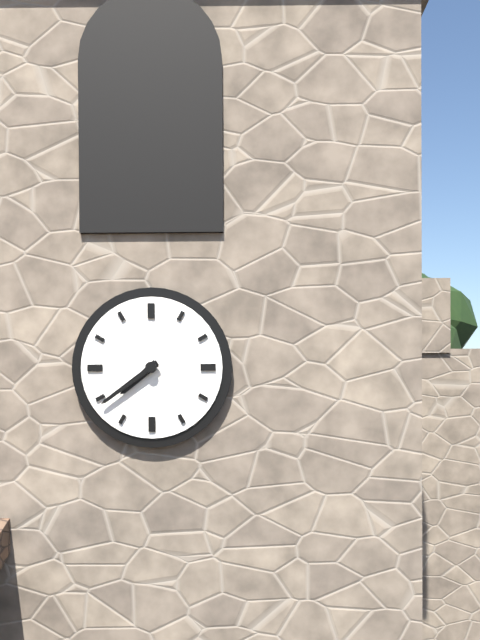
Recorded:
7.39
